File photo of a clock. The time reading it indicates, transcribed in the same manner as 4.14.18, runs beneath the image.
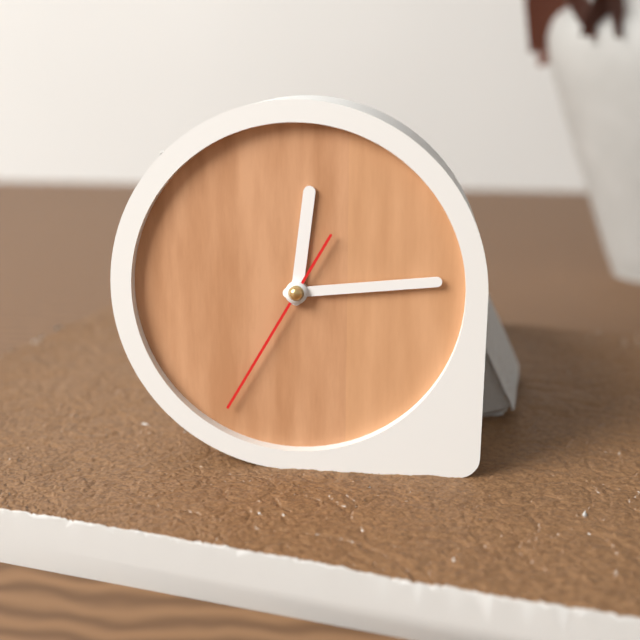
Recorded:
12.14.35
